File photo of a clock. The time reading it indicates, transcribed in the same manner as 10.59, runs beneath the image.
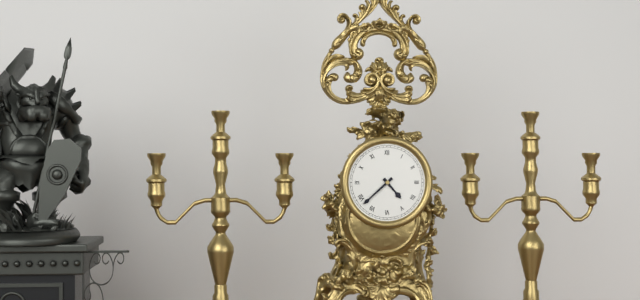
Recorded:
4.38
